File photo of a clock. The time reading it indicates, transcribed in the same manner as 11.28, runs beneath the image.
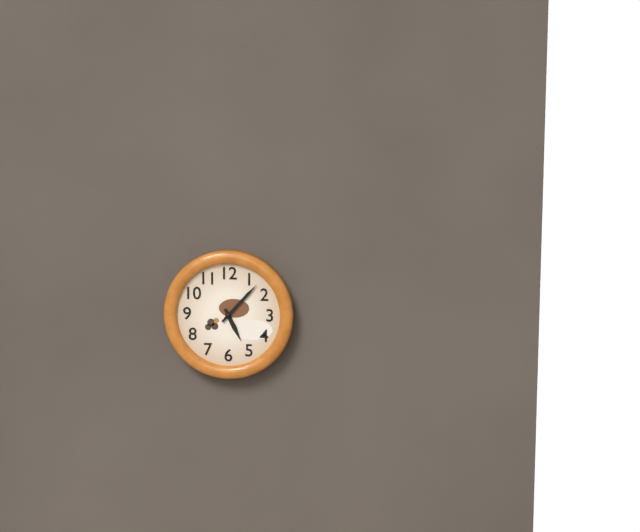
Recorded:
5.07
